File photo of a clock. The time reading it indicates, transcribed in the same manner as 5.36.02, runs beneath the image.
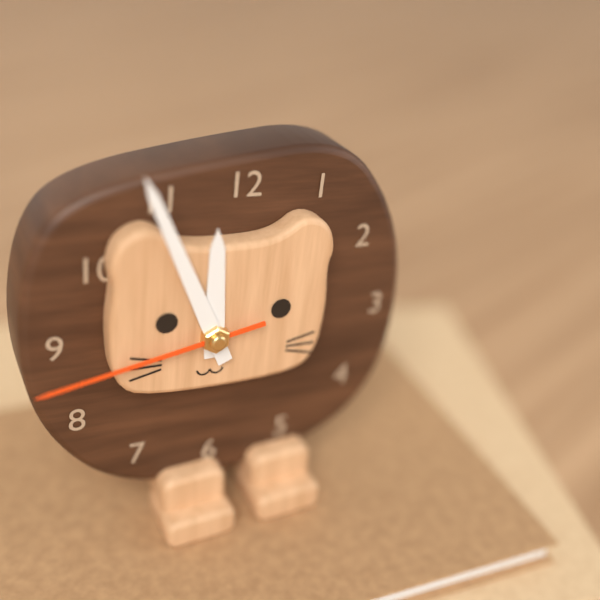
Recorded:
11.56.43
